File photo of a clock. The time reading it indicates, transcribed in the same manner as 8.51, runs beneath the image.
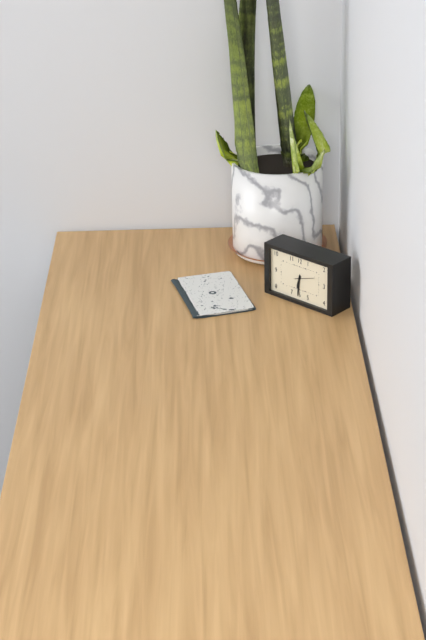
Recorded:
6.31
